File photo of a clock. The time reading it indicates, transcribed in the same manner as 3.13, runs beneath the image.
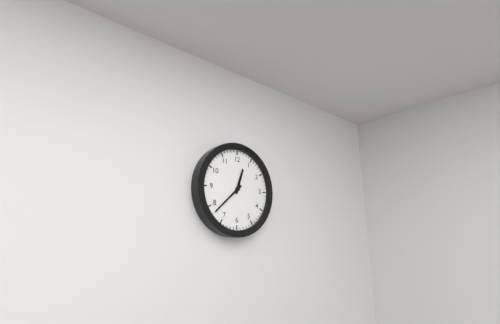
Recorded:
12.38
